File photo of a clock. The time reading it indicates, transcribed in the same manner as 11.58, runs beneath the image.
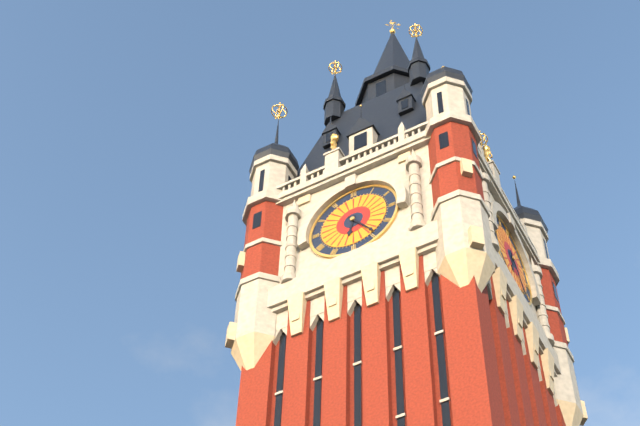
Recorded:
6.24
